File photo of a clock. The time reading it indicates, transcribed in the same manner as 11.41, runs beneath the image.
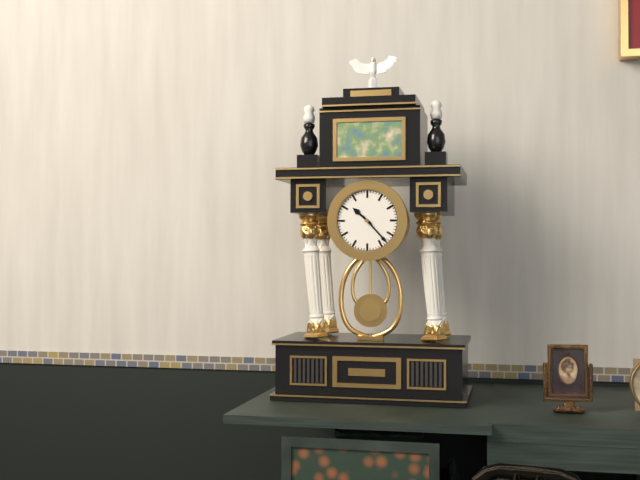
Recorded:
10.23
